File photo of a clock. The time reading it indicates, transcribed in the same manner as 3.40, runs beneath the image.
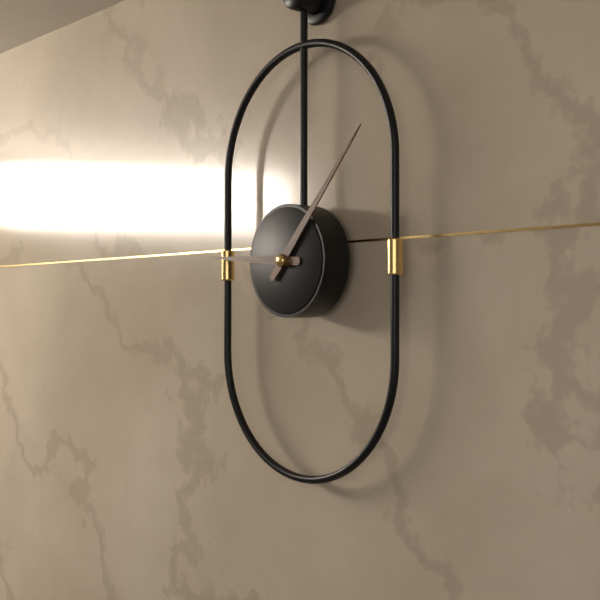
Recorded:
9.07
